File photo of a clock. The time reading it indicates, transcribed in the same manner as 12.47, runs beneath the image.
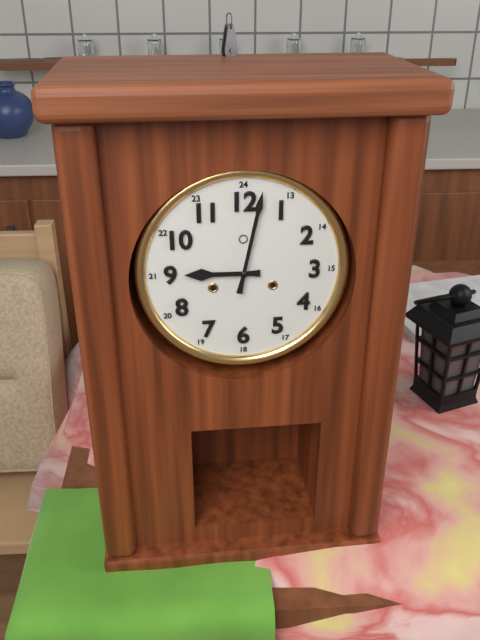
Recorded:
9.02
